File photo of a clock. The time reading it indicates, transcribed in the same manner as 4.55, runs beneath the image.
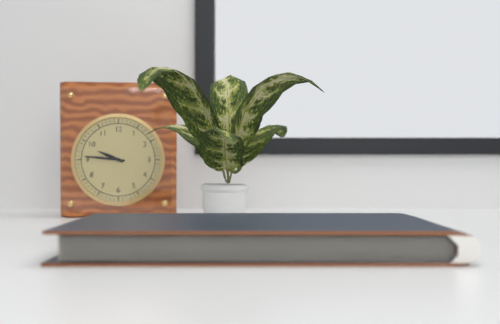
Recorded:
9.46
